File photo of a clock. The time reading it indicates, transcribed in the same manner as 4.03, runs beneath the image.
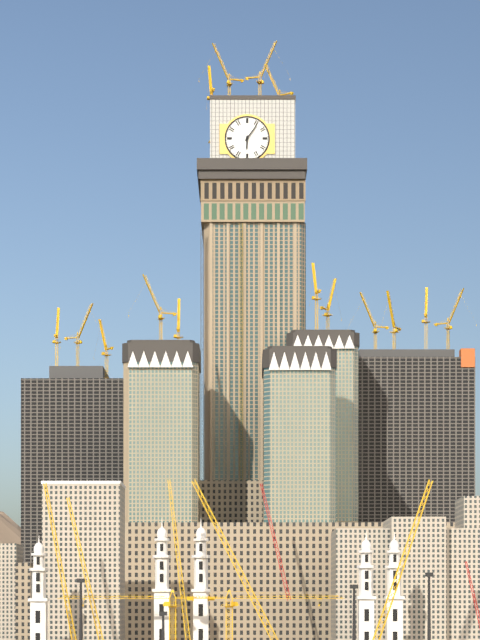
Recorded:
6.06
